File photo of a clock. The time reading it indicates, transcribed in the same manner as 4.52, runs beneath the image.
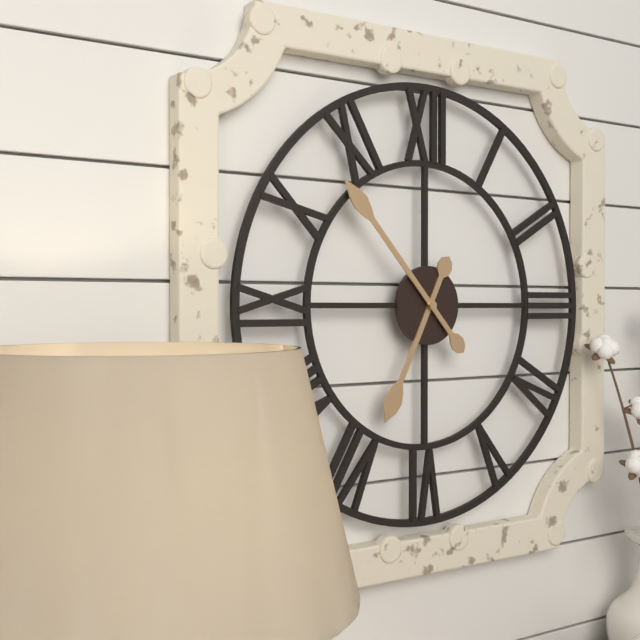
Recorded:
6.53
